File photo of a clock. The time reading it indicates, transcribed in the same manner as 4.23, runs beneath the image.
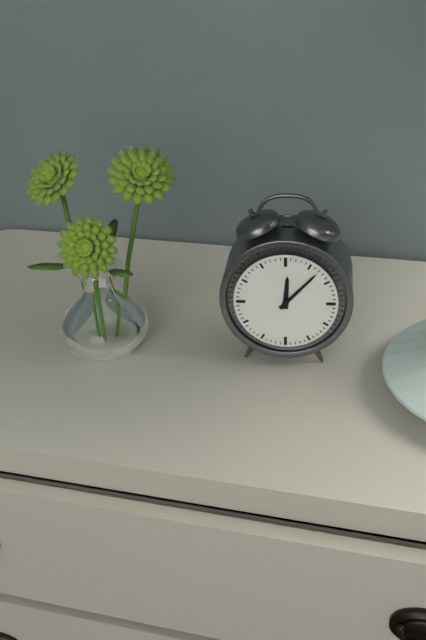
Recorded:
12.07
